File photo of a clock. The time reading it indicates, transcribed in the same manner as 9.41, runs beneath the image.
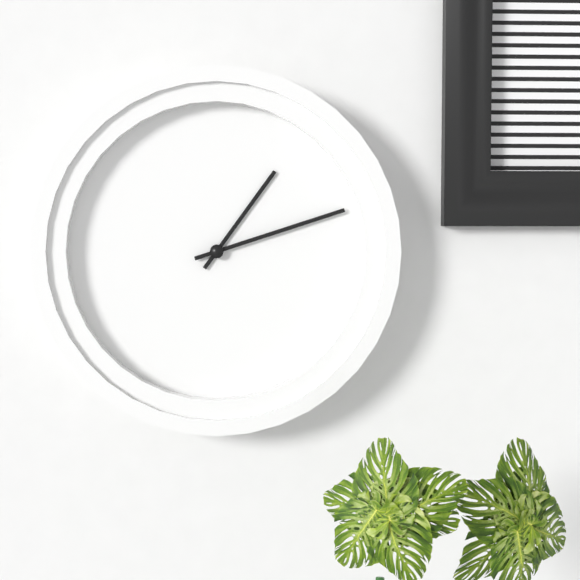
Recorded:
1.12
